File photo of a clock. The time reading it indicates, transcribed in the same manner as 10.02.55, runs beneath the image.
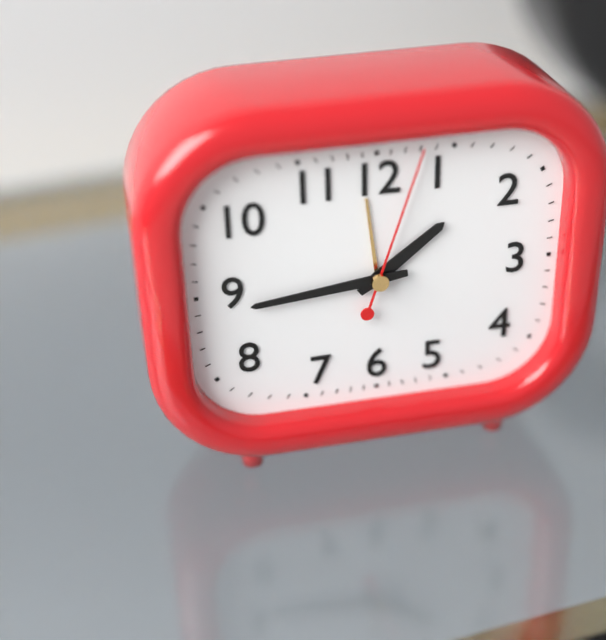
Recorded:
1.44.03
